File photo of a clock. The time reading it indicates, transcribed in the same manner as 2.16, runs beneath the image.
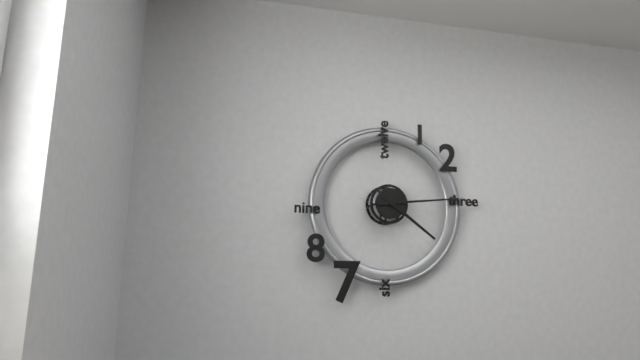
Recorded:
4.14
